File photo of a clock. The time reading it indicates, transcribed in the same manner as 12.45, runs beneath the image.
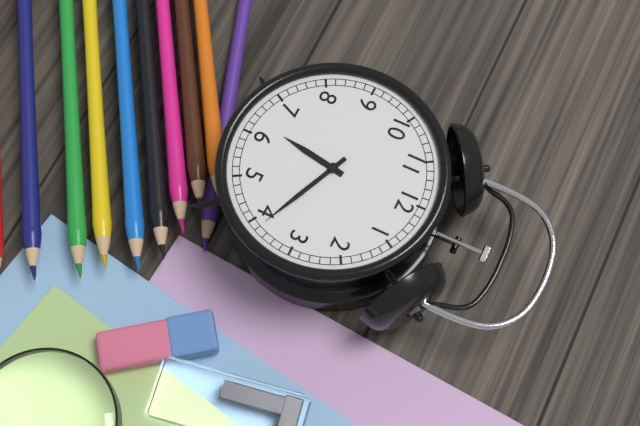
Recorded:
6.19
